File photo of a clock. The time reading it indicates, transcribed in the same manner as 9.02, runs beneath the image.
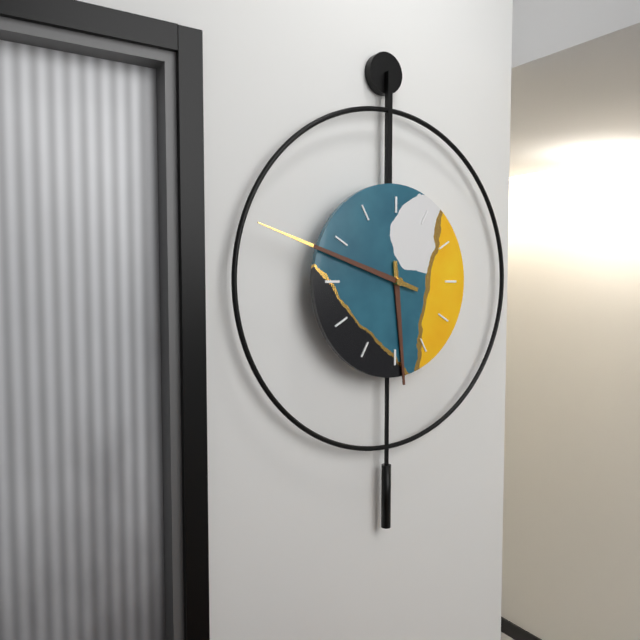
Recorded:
5.48
